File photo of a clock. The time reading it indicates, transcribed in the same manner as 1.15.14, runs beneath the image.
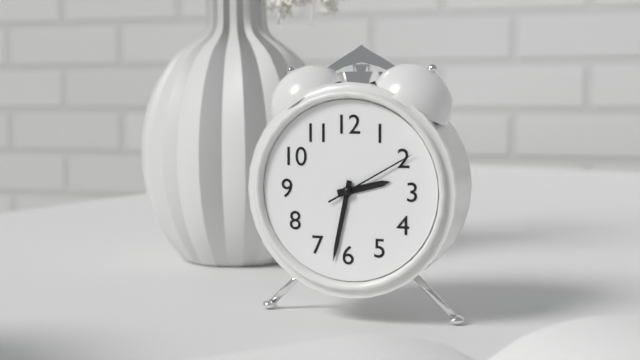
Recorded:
2.32.10
